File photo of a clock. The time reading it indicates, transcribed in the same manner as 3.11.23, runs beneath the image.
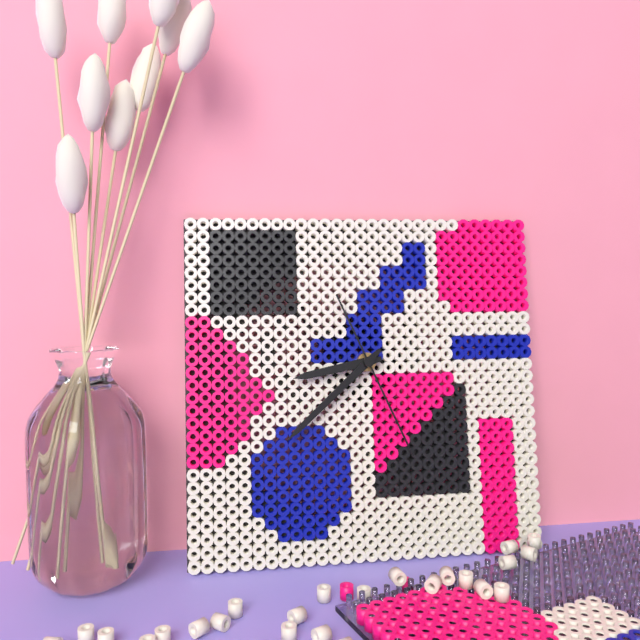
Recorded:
8.38.26
